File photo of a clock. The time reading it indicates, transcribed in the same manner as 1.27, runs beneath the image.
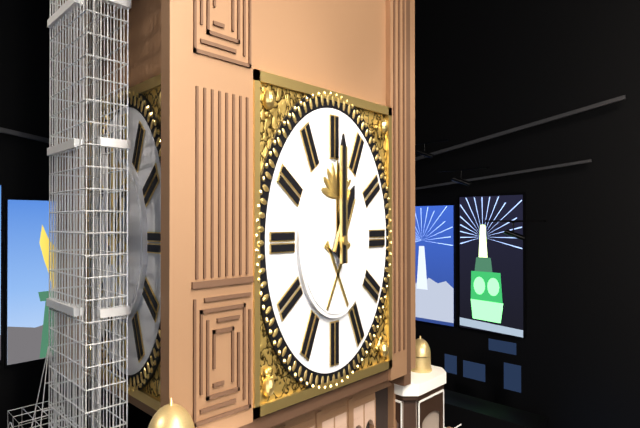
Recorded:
1.00
